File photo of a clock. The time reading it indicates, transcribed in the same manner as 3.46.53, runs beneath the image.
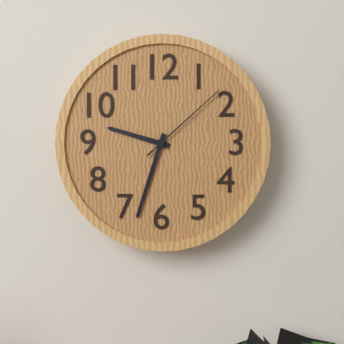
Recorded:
9.33.08
